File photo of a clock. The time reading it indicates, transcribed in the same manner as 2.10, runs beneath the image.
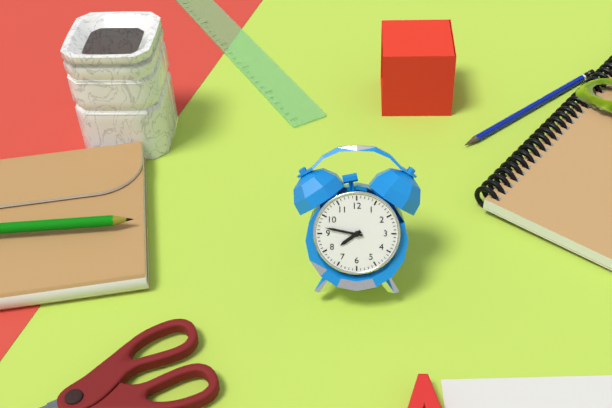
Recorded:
7.47
